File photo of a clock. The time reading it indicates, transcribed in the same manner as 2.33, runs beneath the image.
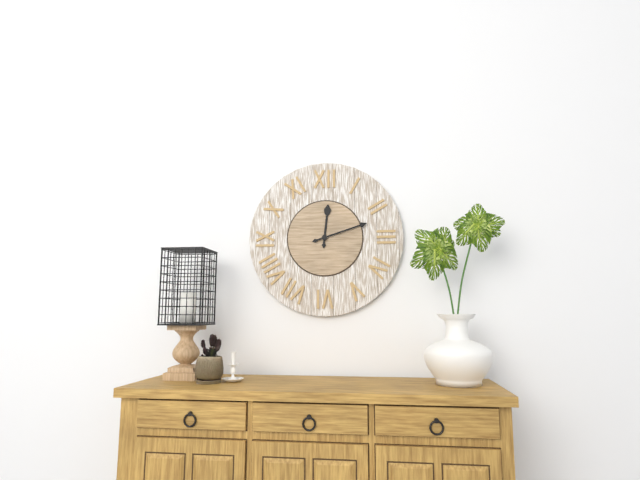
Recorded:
12.12
